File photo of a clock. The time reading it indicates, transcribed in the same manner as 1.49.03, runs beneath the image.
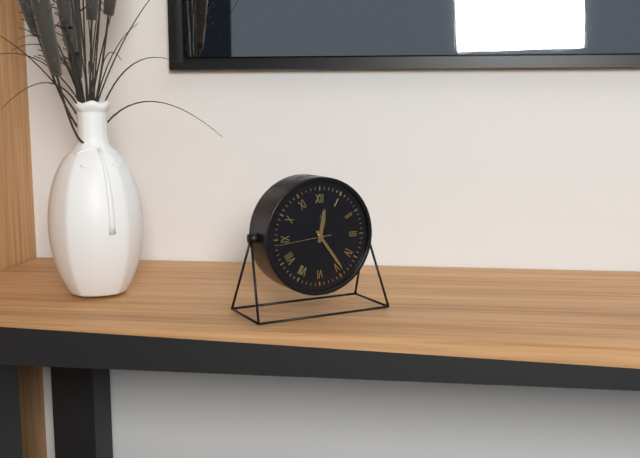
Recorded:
12.24.44
